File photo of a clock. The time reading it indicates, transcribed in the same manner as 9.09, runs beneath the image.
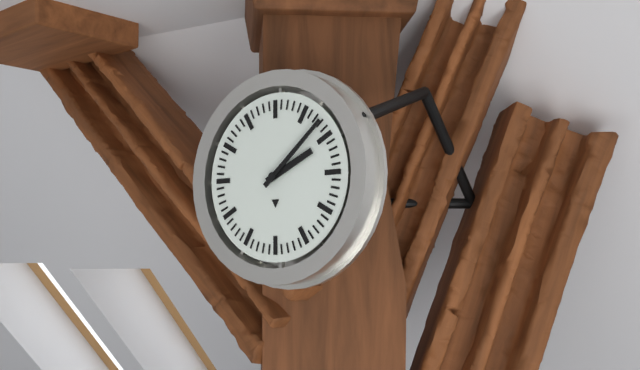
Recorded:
2.08
